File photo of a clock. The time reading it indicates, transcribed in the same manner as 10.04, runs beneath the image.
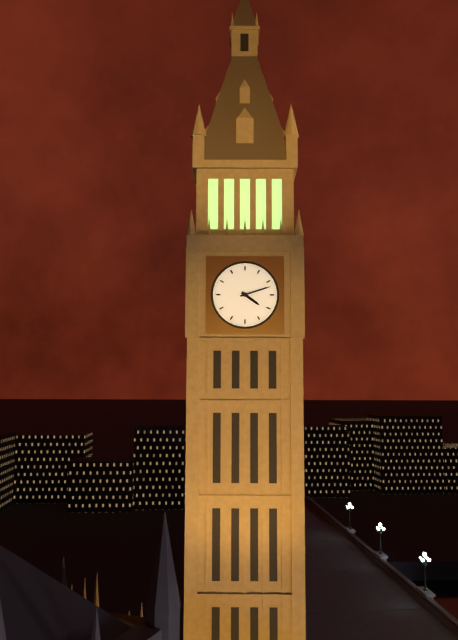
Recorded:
4.12
